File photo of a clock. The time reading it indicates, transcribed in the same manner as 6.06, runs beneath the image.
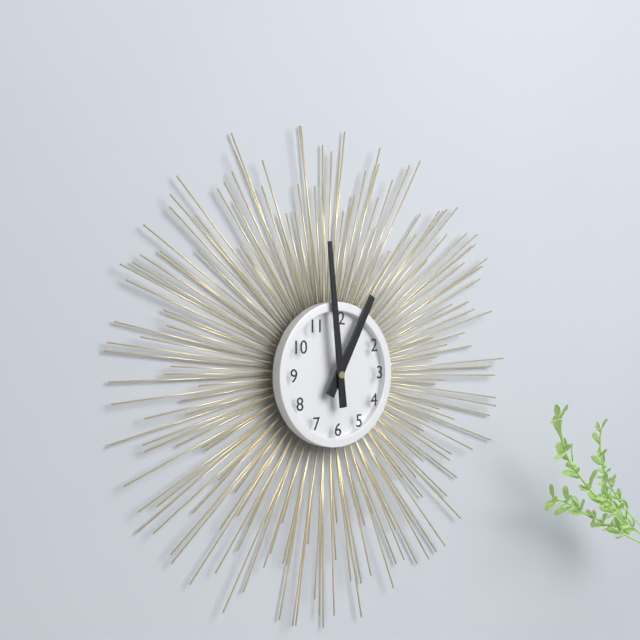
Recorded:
12.59
